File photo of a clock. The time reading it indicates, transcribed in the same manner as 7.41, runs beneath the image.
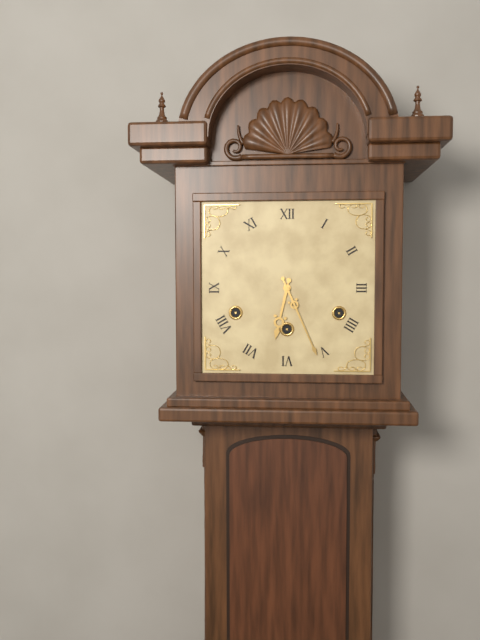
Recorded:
6.26
